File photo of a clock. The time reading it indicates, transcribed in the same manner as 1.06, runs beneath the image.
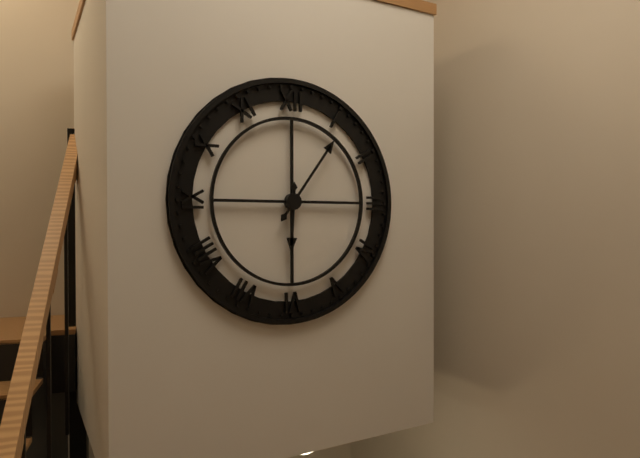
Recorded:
6.06
